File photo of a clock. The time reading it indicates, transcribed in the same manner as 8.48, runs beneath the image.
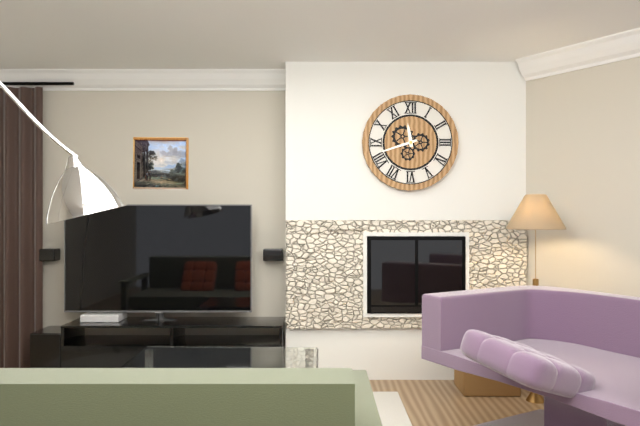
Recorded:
11.42
